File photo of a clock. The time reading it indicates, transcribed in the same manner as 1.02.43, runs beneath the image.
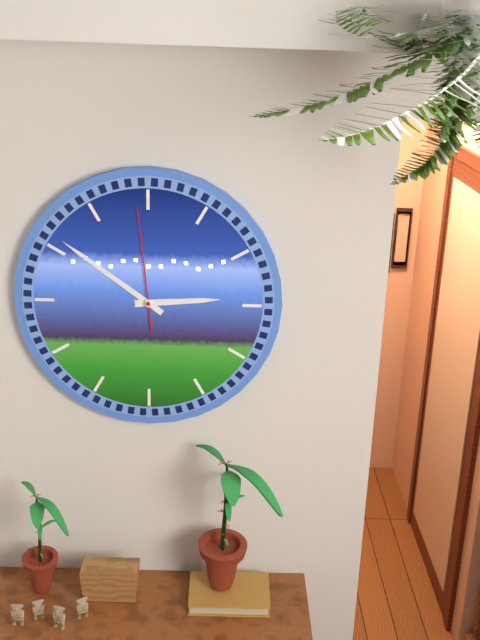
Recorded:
2.51.59
